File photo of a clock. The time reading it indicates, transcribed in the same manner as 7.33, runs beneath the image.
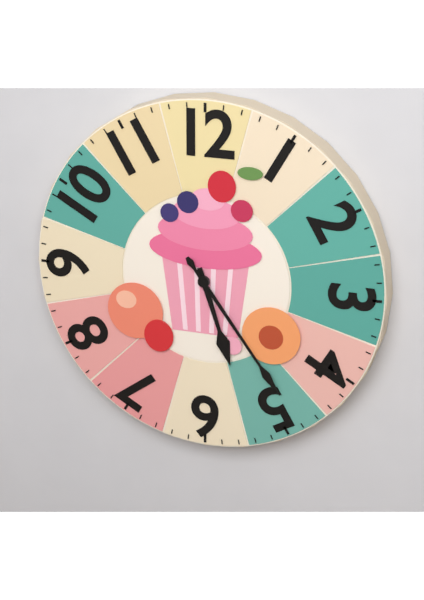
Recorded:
5.24
